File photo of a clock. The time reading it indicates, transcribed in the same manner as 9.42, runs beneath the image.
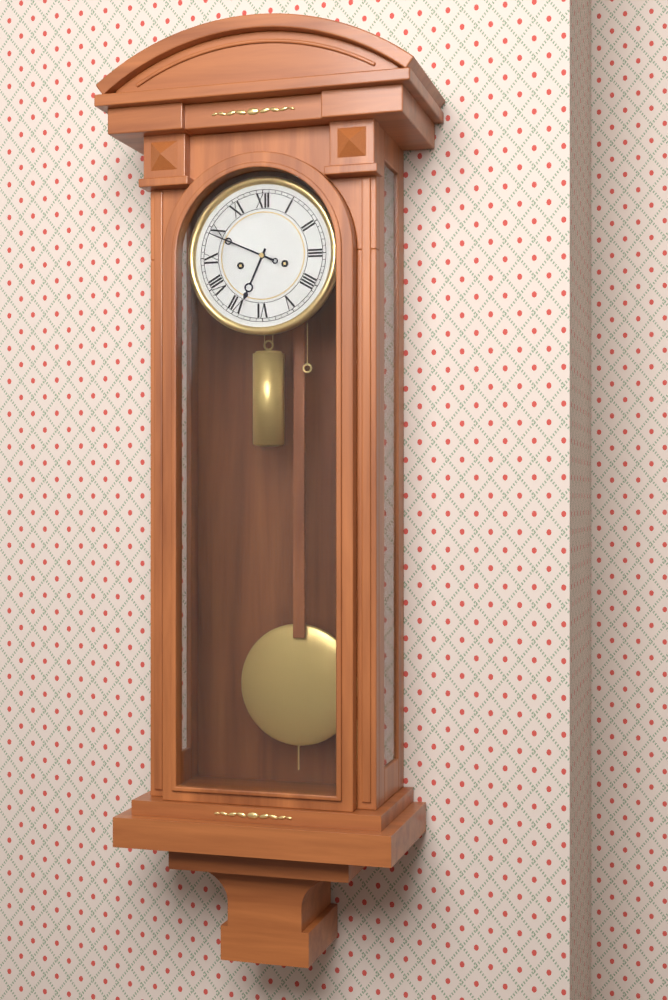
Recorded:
6.49
